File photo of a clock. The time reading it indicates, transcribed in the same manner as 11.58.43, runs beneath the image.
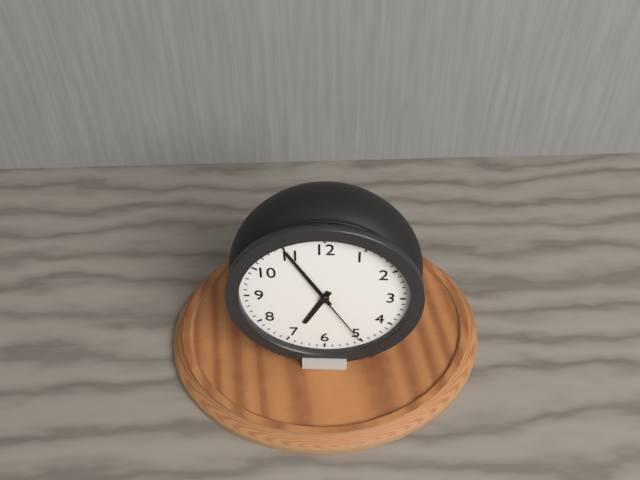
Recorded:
6.55.25
